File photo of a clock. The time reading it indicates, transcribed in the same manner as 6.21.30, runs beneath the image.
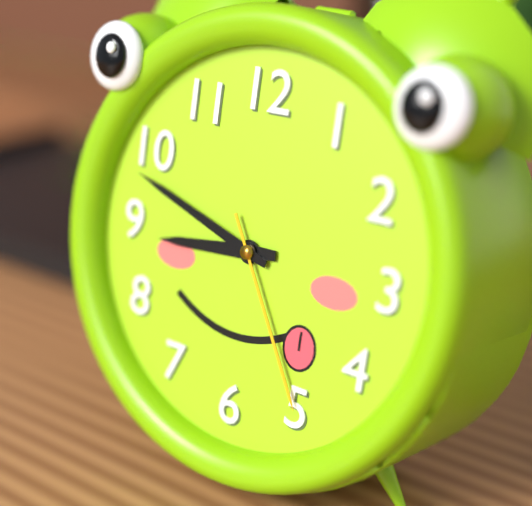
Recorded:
8.48.25
